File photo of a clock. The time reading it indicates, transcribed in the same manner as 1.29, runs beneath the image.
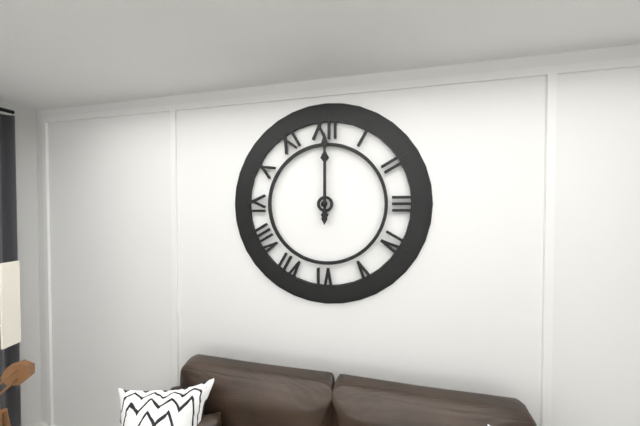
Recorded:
12.00
